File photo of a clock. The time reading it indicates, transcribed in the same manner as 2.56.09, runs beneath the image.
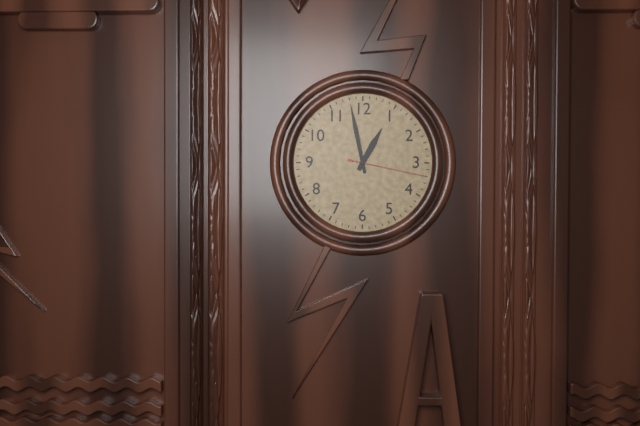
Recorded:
12.58.17
